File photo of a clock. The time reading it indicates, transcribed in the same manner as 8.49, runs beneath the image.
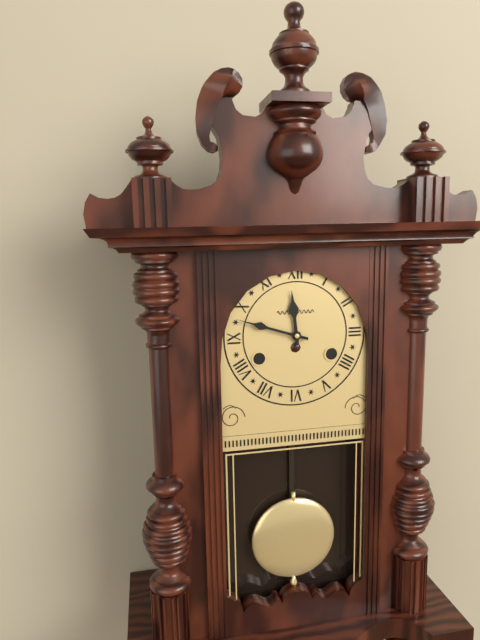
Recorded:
11.48
